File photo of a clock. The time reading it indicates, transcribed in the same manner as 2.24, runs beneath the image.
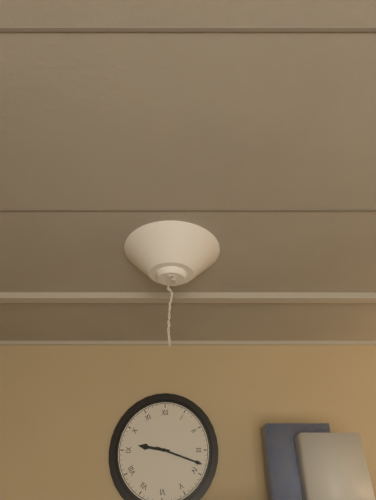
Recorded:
9.18
